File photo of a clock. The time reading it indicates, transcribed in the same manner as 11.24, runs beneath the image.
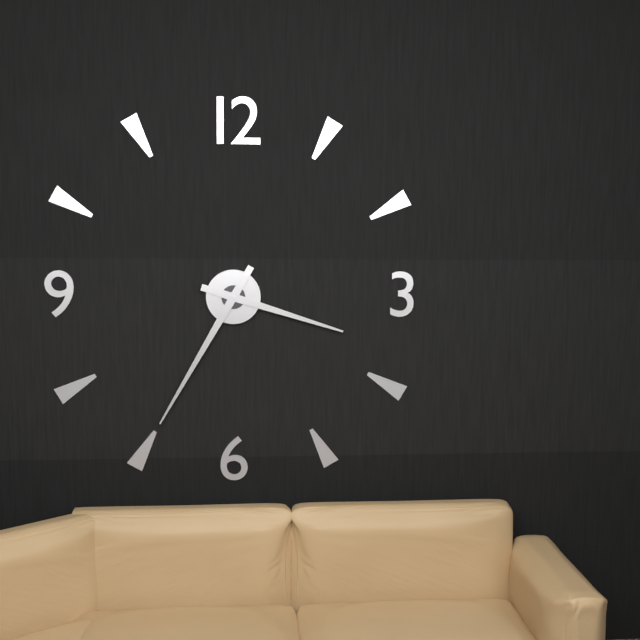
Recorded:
3.35
